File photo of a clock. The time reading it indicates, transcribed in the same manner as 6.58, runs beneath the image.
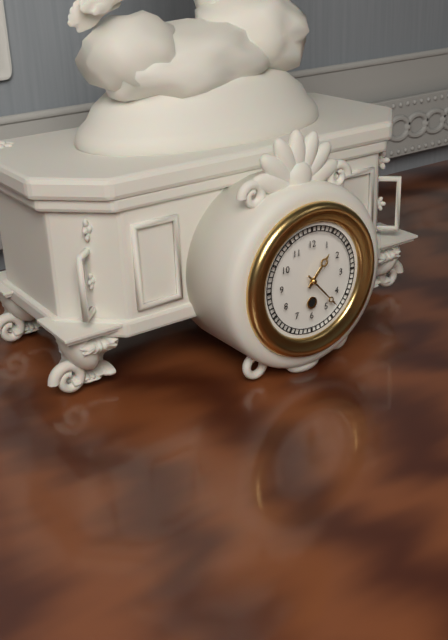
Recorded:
1.23
